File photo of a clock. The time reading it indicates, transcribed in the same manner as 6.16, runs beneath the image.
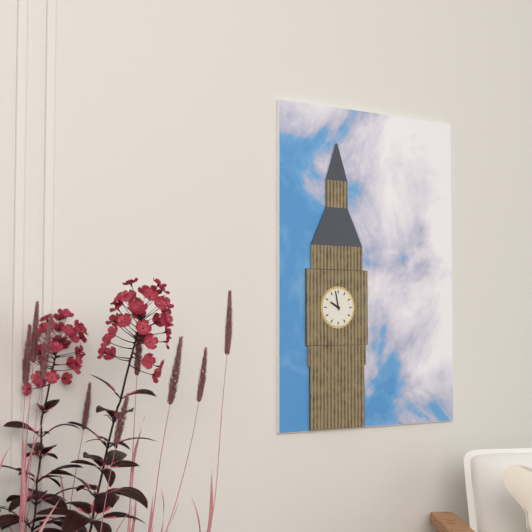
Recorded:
9.58
